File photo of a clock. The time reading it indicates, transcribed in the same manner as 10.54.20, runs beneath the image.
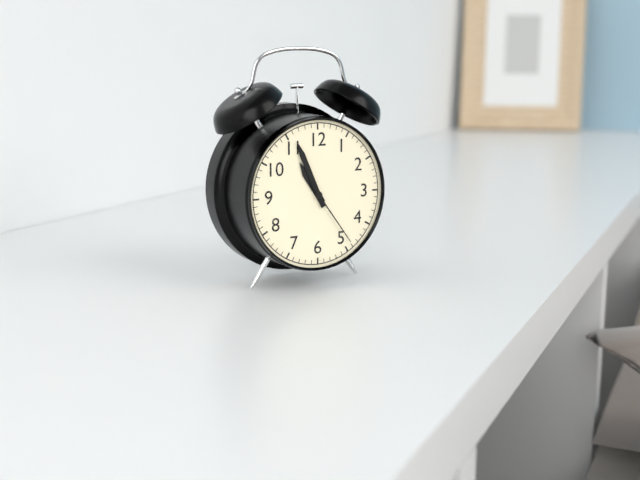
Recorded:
10.56.24
